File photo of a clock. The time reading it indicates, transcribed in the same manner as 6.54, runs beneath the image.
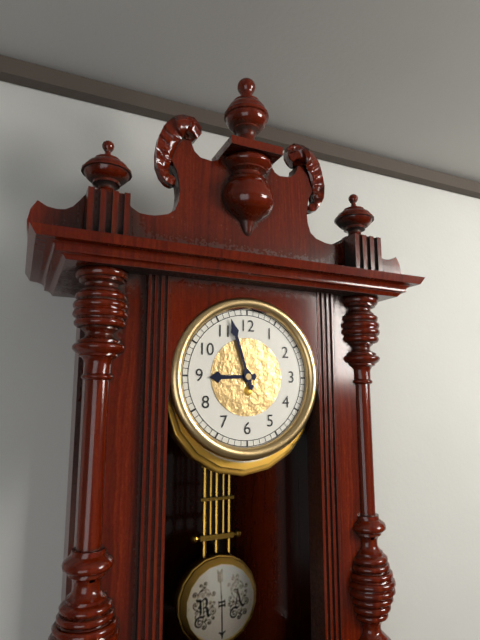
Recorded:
8.57
